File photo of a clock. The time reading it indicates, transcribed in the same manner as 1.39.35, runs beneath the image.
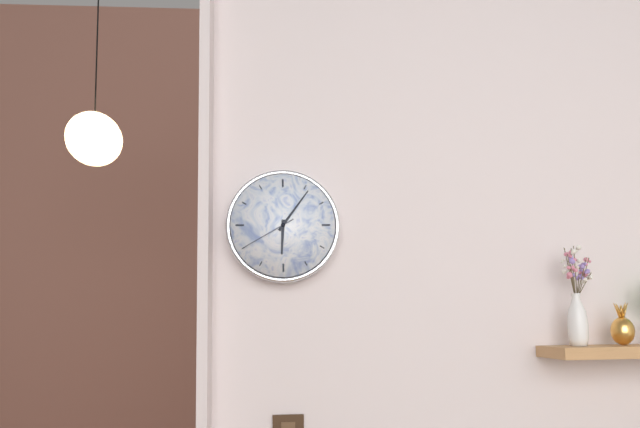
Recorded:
6.06.40
